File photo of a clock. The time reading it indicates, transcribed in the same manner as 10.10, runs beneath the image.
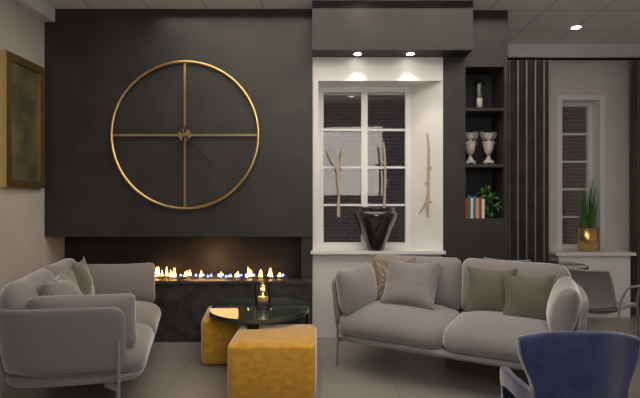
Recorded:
4.32
